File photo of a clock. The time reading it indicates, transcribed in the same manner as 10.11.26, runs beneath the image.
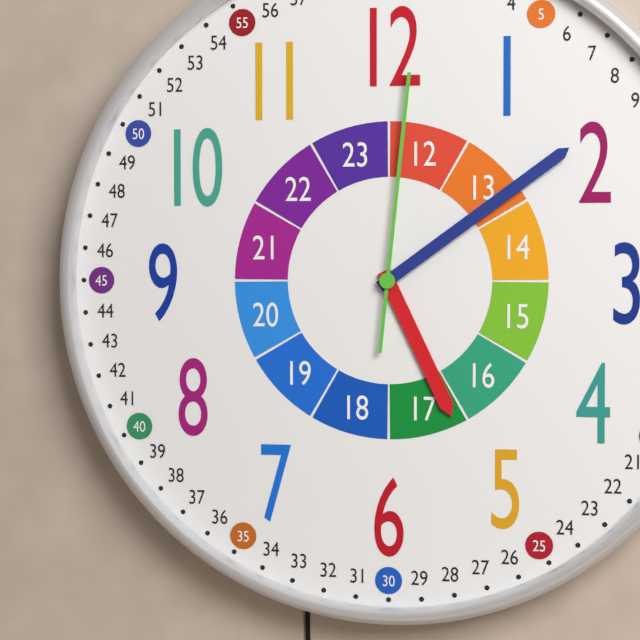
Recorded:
5.09.01
